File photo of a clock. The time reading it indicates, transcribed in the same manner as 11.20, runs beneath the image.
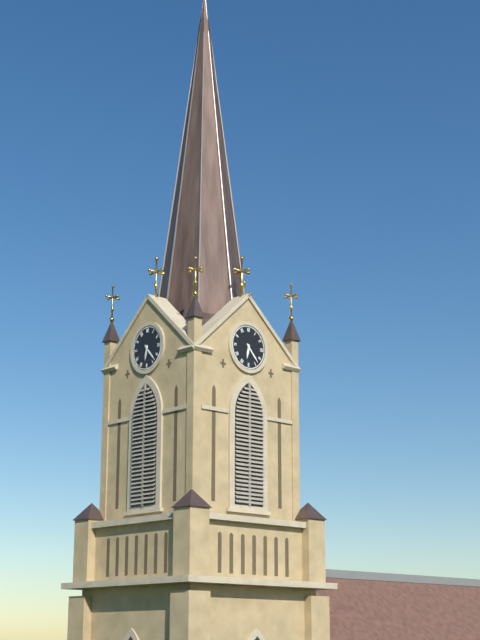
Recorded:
6.23
